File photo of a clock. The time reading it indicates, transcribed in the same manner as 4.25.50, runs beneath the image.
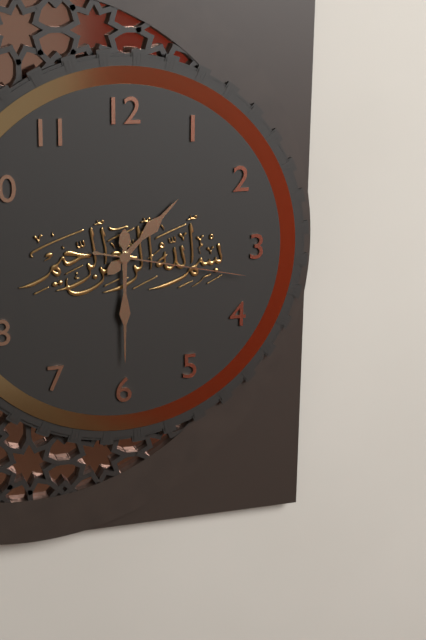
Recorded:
1.30.17
